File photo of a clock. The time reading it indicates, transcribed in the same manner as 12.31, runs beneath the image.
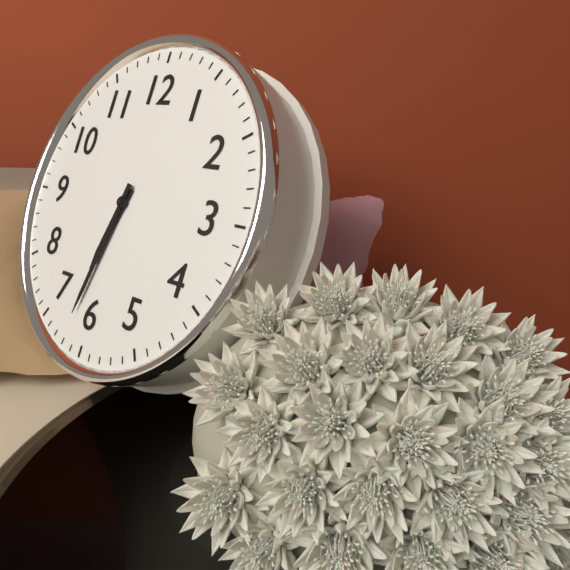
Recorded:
6.32
